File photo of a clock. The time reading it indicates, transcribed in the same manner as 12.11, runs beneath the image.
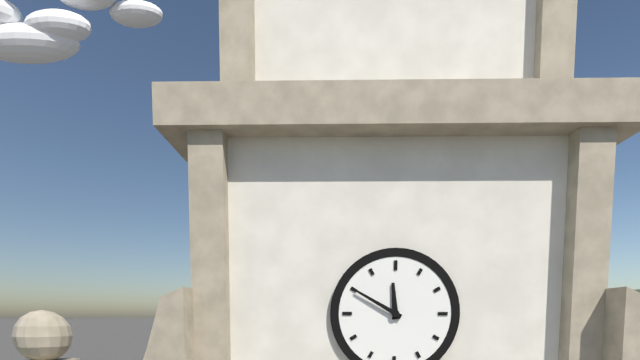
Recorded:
11.50
